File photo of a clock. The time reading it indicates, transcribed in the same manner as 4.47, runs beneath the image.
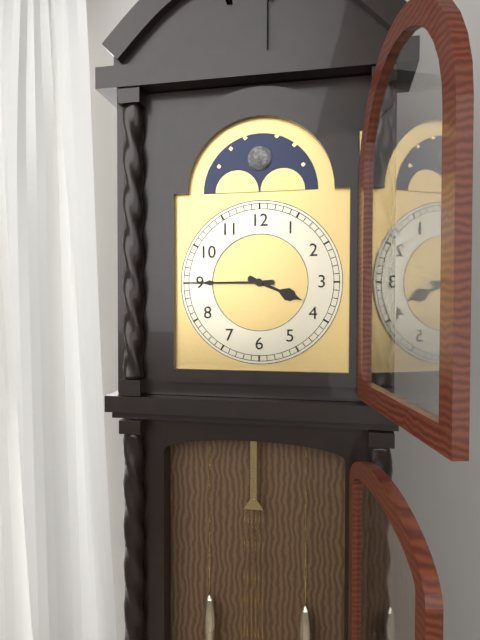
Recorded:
3.45
